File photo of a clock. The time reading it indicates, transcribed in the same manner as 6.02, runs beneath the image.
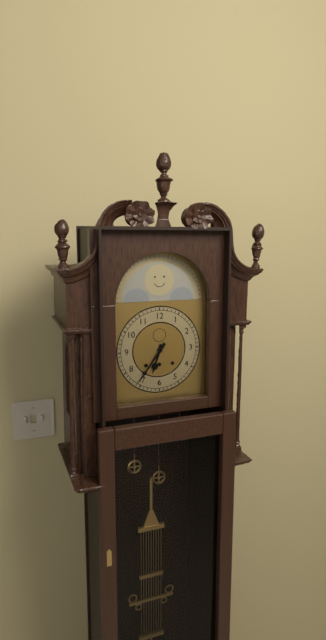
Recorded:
6.36
